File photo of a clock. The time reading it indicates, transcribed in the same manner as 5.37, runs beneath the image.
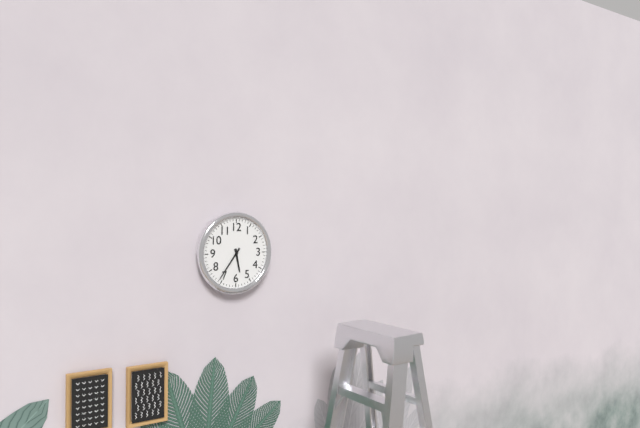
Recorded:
5.36
